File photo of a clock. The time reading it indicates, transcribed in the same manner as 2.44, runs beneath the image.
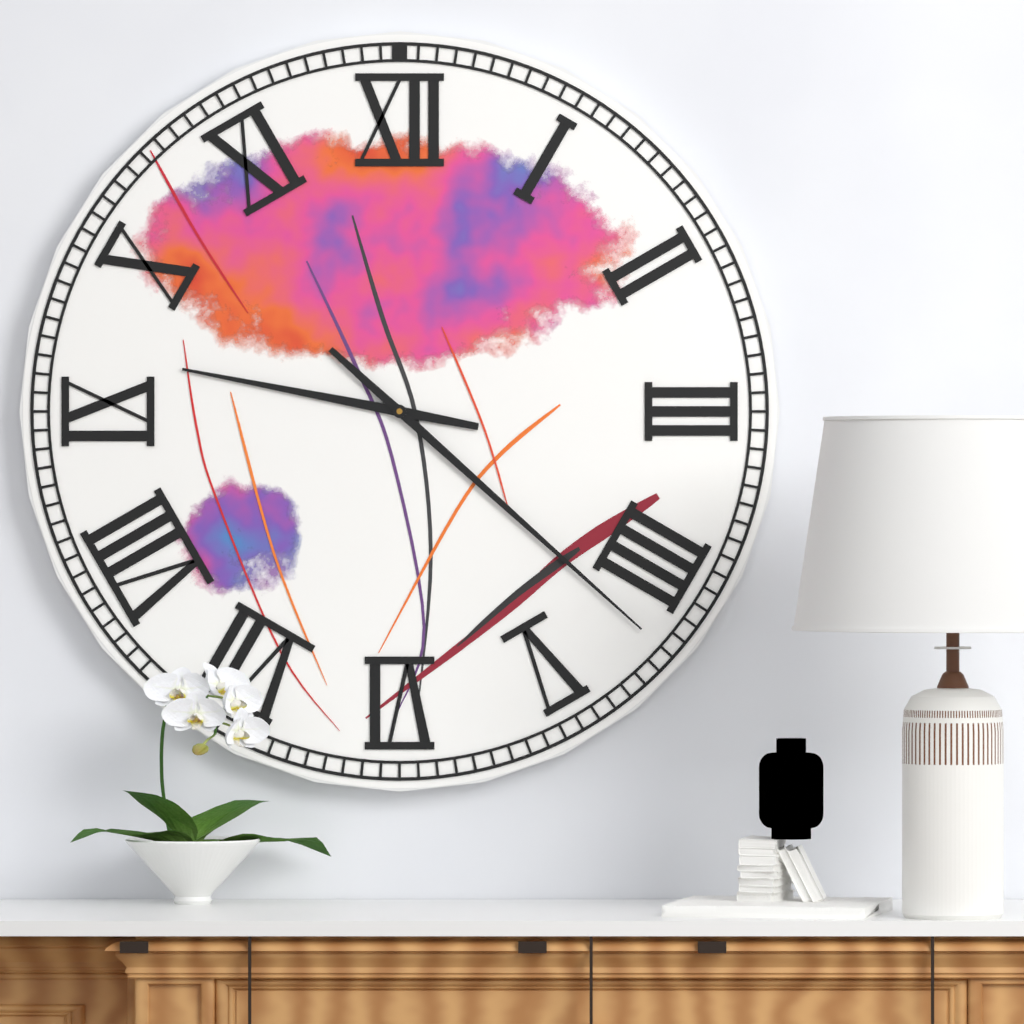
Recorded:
9.22
